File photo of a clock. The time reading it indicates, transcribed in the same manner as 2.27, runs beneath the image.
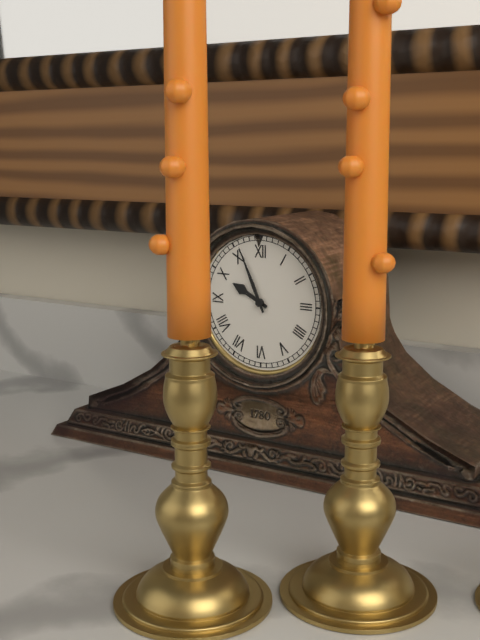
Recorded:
9.56
